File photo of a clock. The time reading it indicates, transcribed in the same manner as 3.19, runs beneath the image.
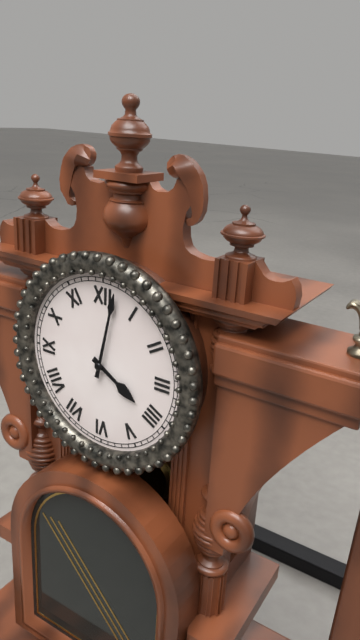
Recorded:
4.02
